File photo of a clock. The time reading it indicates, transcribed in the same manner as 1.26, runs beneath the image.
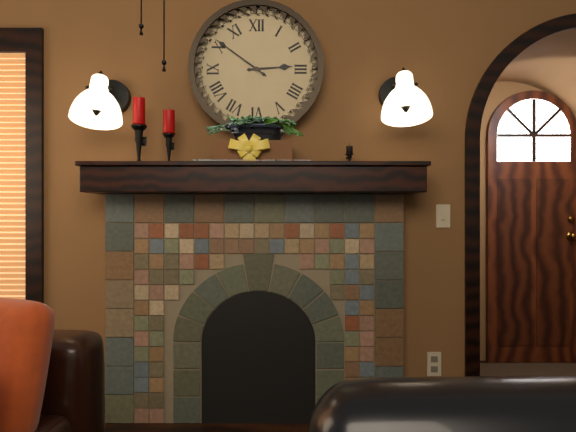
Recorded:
2.51
